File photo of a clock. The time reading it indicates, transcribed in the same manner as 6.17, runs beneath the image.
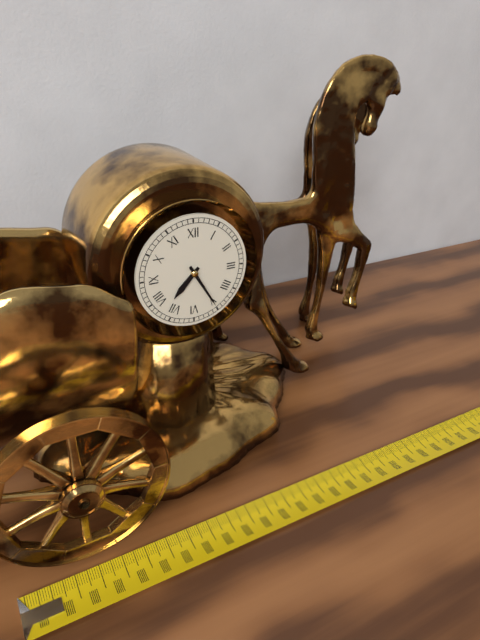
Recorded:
7.25
